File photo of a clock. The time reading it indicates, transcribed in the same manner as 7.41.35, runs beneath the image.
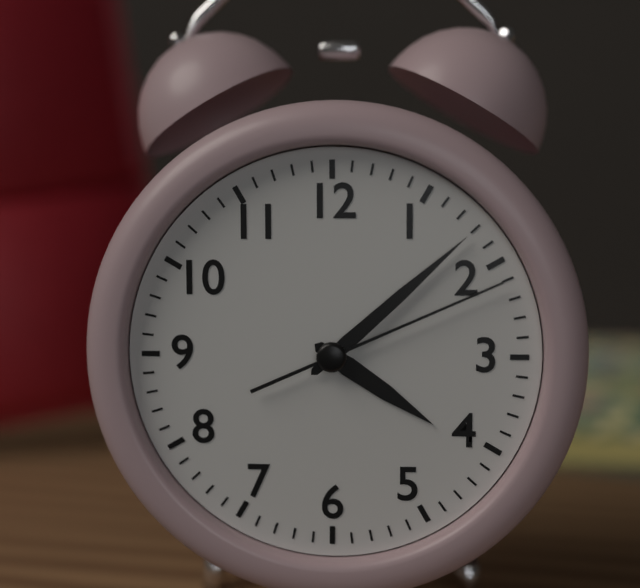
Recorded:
4.08.11
